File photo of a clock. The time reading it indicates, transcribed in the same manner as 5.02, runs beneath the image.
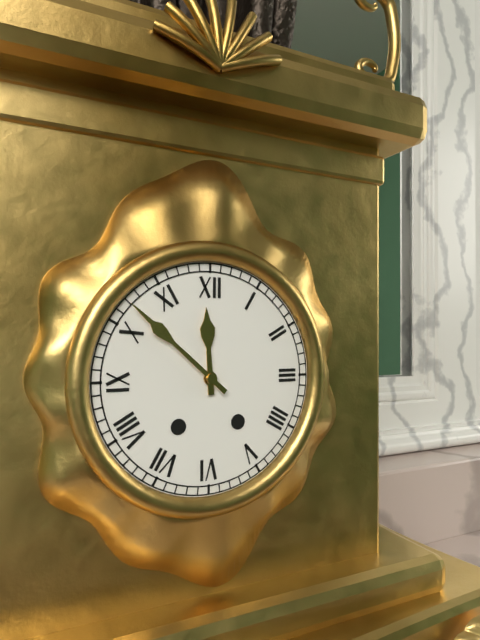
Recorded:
11.52
